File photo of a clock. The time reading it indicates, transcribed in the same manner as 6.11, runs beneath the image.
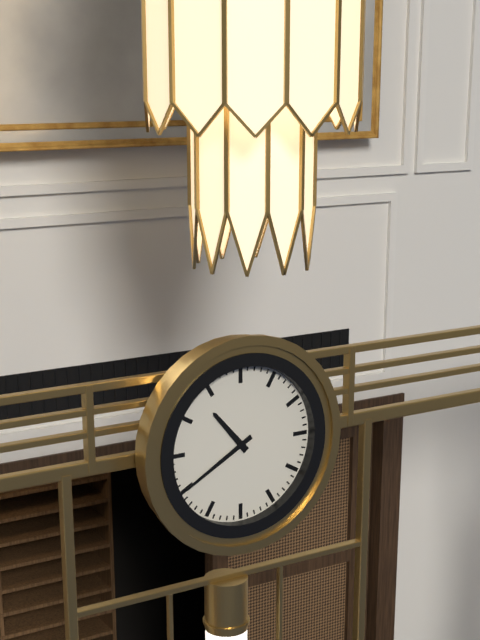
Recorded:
10.40
